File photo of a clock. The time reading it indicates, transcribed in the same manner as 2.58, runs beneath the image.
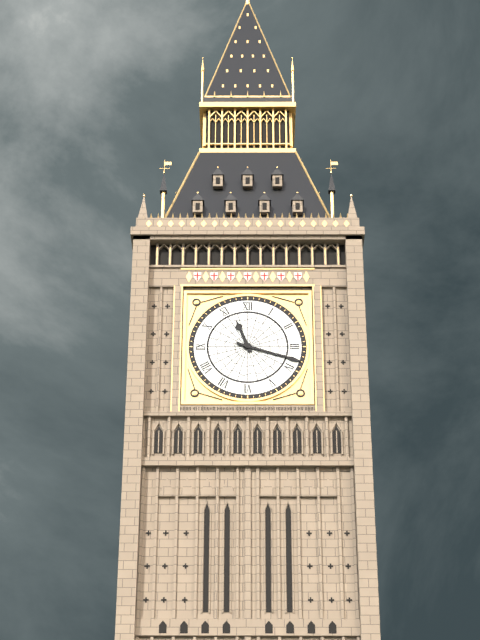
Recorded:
11.18
